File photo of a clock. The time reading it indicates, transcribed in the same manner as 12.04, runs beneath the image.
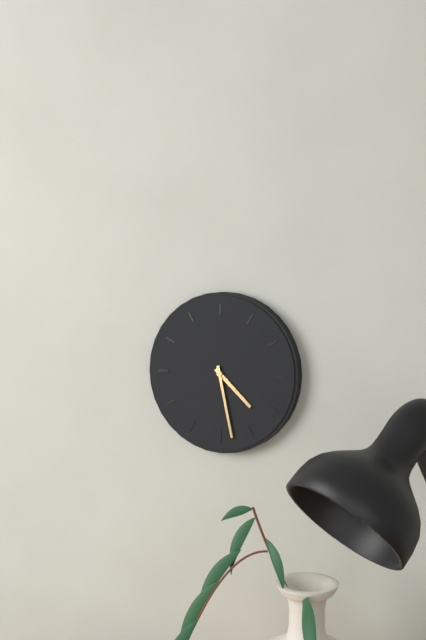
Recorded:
4.28
